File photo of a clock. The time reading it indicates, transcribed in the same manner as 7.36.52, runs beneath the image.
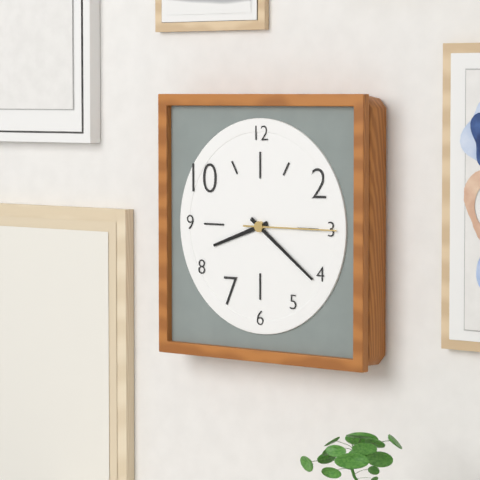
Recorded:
8.21.15
